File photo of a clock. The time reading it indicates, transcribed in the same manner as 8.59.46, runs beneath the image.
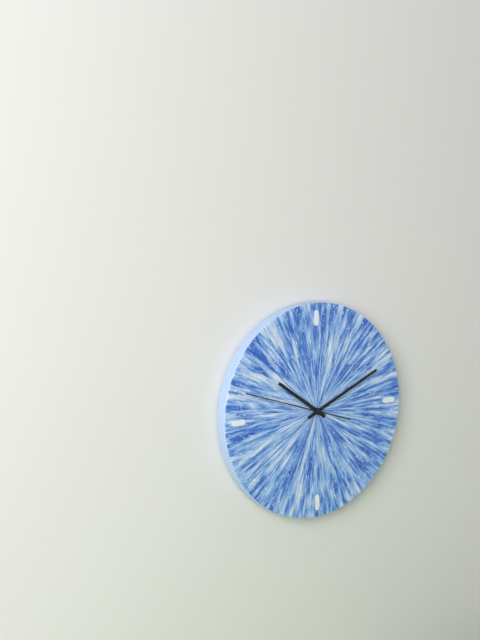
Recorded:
10.11.48
